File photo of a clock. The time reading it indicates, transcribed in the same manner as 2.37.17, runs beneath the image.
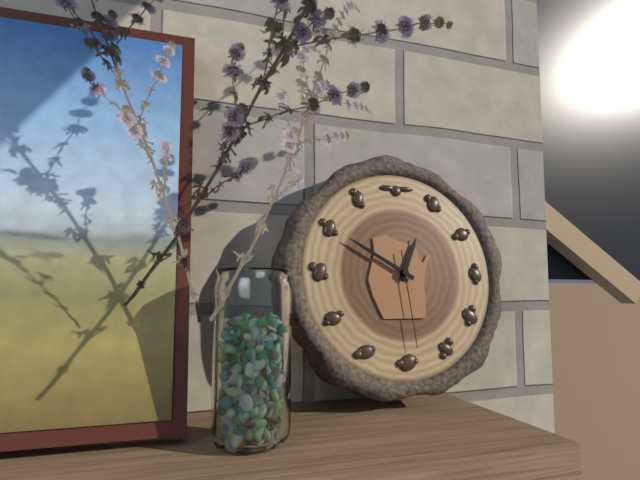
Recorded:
12.50.29
